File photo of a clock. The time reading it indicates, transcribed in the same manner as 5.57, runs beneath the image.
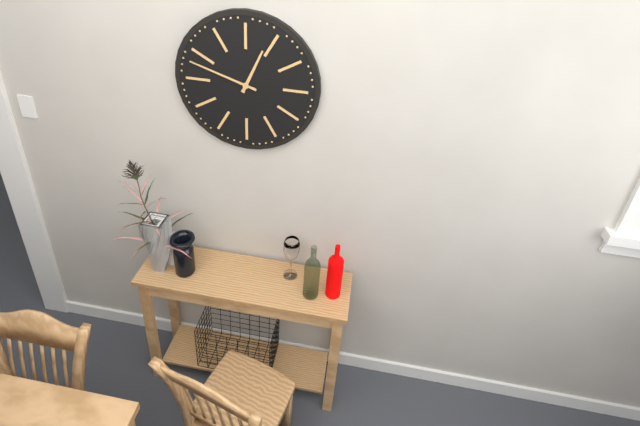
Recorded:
12.48
